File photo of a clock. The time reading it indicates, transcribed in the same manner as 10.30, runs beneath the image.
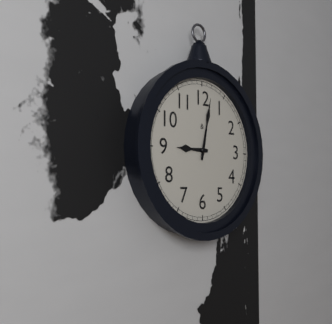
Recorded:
9.02
